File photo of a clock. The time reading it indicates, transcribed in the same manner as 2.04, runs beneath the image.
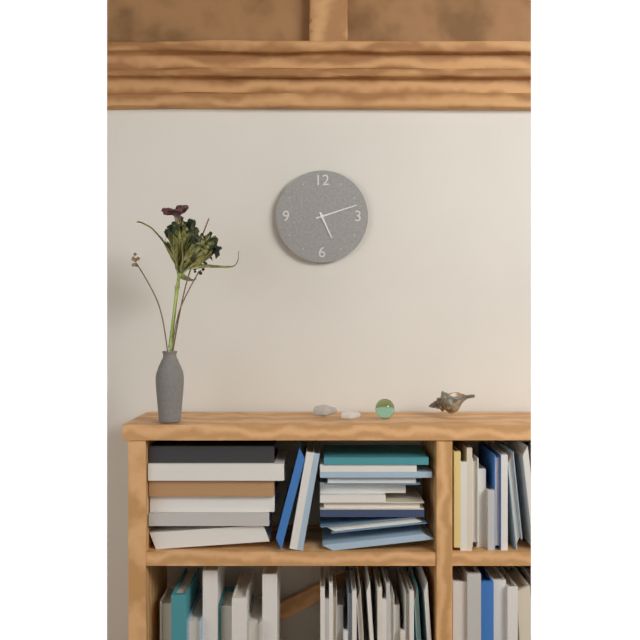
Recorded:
5.12
